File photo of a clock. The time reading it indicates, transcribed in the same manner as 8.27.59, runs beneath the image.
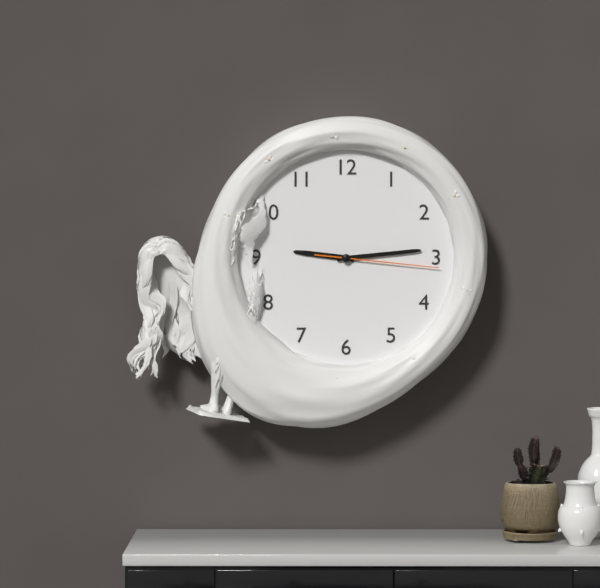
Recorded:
9.14.16
